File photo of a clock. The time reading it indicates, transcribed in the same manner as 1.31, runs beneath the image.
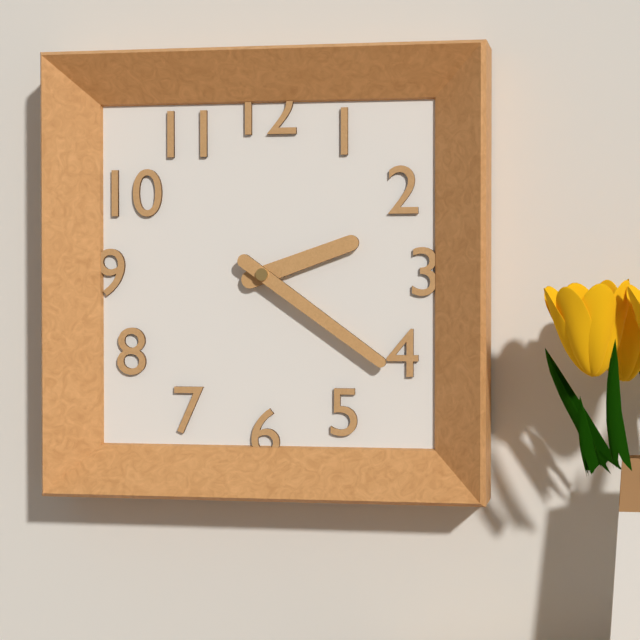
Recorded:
2.21
